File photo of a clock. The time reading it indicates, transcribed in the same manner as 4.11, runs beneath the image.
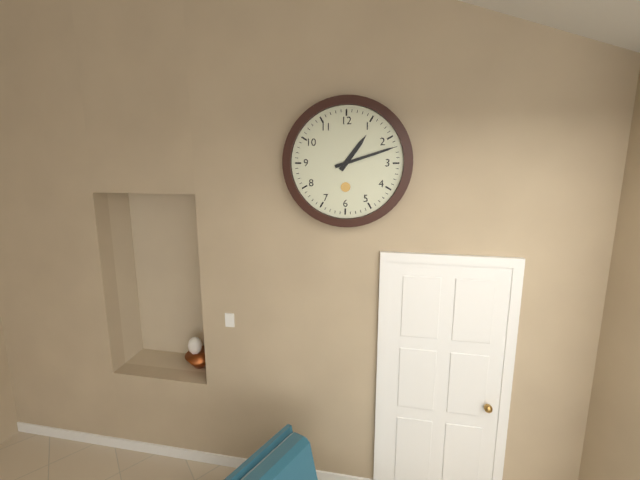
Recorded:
1.12
